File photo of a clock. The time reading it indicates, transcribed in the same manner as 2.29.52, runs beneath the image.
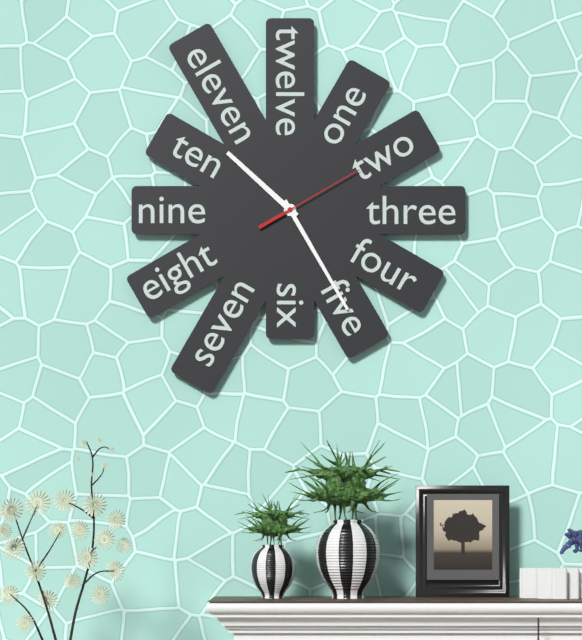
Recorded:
10.25.10
